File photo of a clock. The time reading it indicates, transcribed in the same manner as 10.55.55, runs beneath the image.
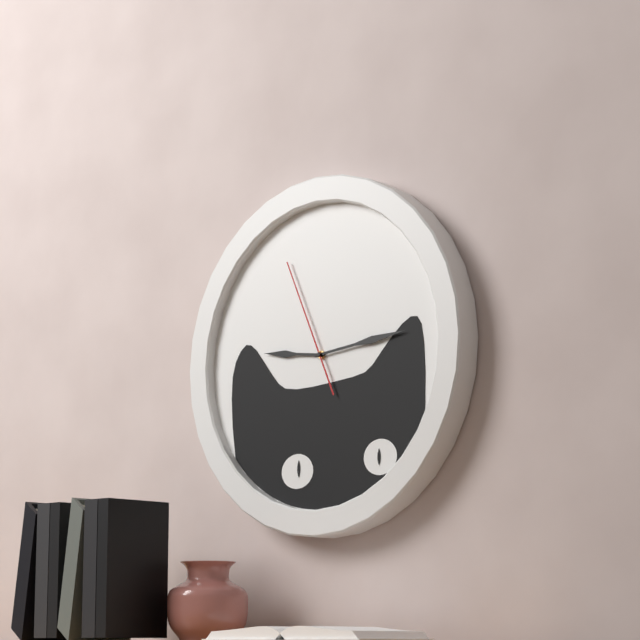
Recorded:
9.14.56
